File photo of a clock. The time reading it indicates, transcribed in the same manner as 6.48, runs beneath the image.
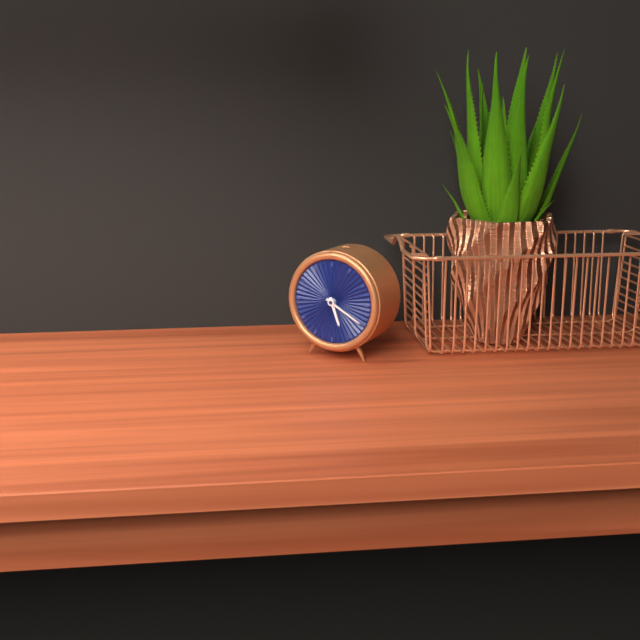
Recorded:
5.20
